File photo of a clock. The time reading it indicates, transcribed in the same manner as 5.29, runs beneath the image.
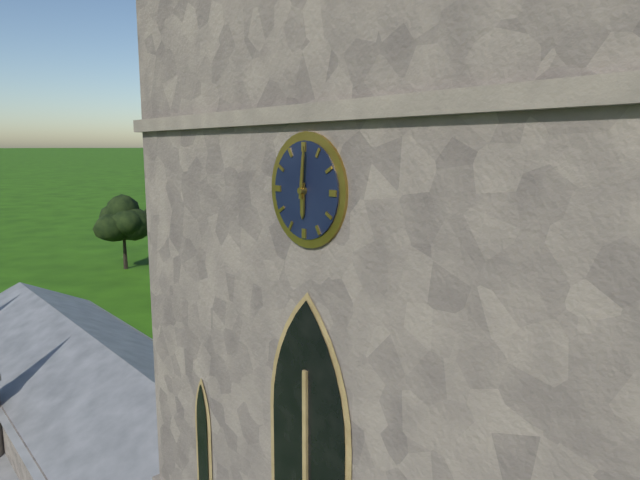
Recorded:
6.01
